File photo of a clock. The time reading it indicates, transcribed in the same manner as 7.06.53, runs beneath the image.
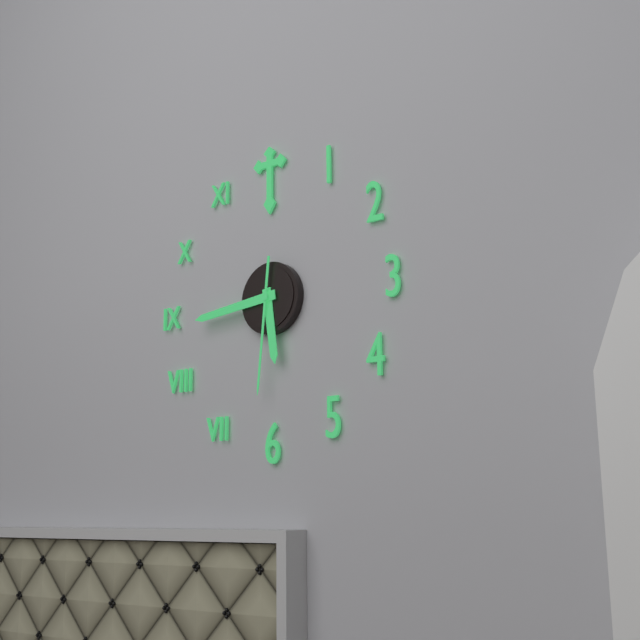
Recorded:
5.44.31
